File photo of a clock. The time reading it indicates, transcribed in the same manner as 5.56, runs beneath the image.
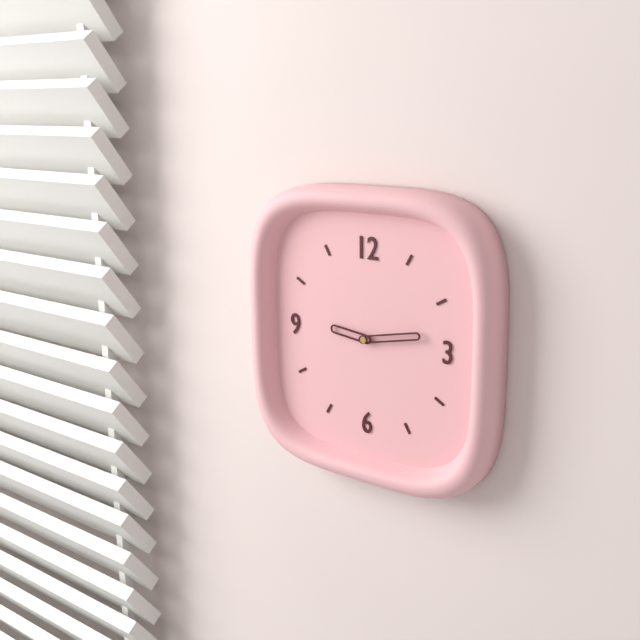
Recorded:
9.13
